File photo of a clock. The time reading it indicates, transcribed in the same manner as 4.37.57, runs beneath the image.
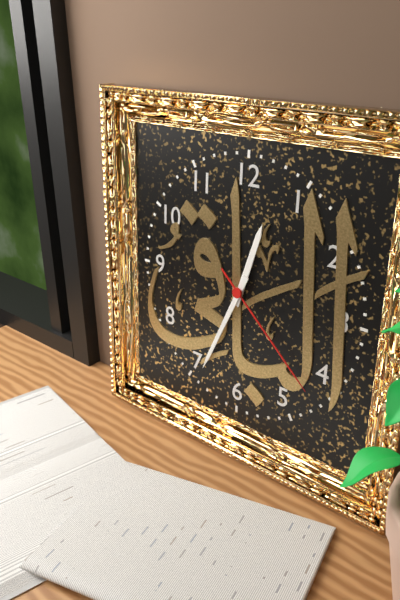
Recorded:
12.34.22
